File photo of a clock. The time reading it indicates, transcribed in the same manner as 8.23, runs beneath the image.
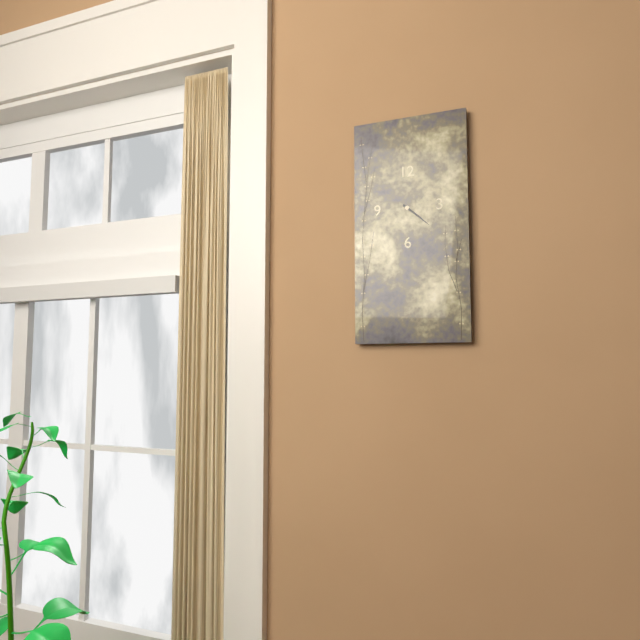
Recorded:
4.22
